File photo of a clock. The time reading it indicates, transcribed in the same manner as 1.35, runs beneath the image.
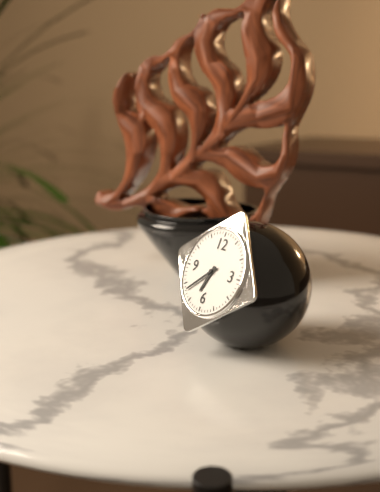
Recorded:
6.38
